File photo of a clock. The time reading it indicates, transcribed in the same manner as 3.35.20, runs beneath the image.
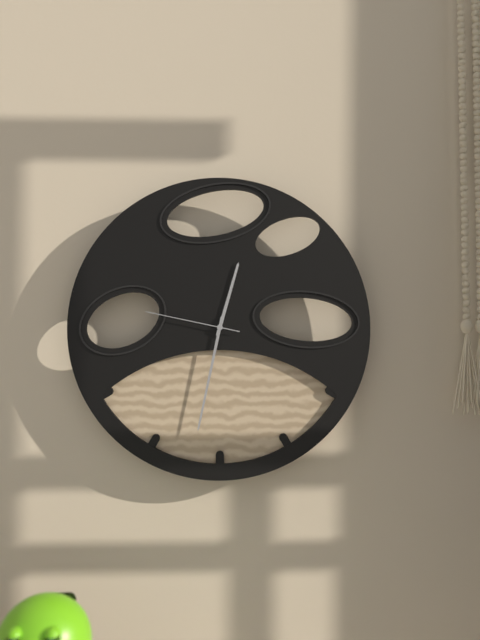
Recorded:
12.32.47
